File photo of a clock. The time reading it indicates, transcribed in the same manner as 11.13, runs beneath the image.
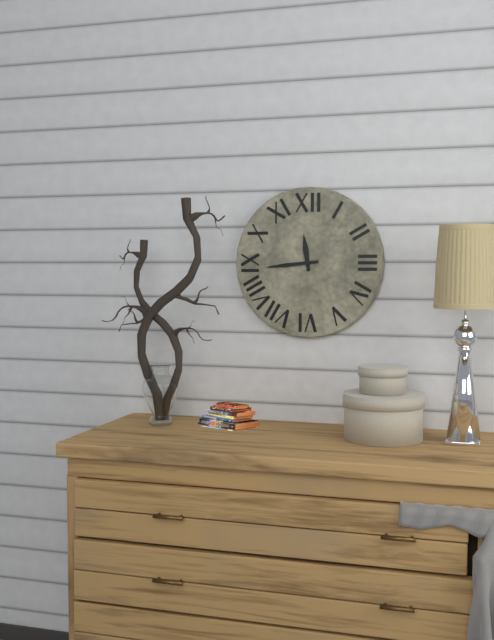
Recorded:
11.44
